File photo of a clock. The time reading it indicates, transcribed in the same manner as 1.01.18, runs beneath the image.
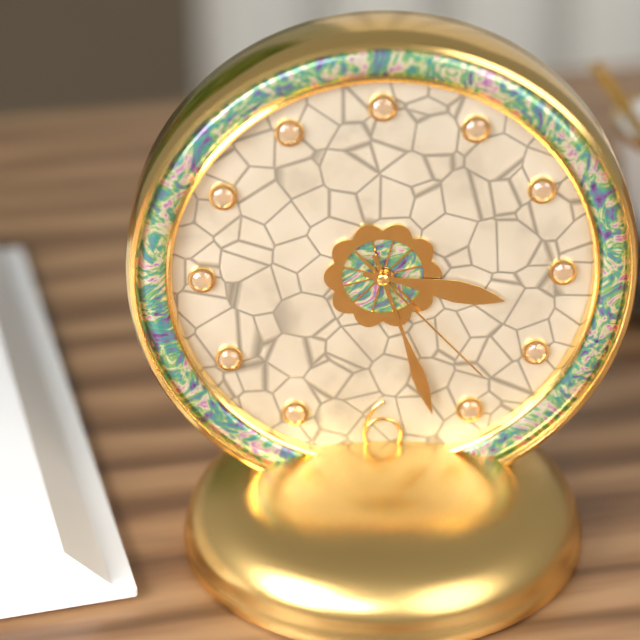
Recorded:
3.27.23
